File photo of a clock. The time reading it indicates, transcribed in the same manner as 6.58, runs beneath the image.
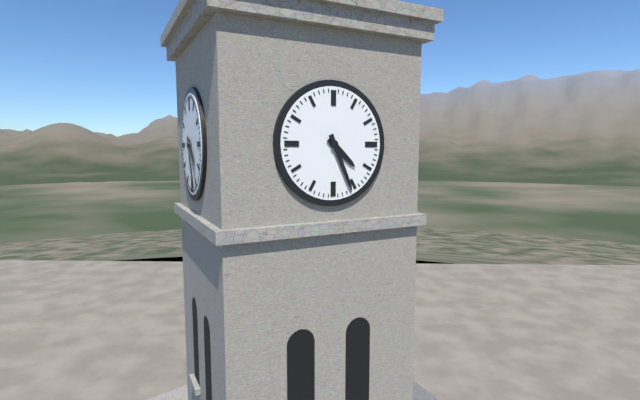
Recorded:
4.26
